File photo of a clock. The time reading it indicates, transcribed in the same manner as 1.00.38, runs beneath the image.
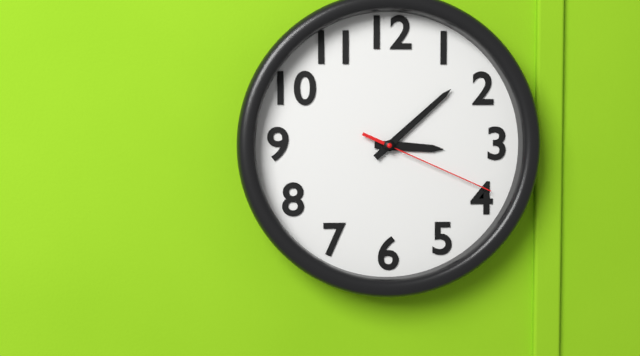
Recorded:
3.08.19
